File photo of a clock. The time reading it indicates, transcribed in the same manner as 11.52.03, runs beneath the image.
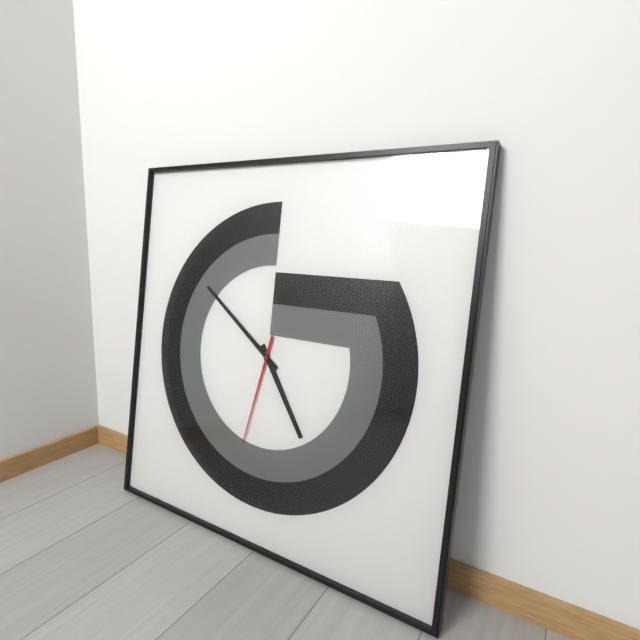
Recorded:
4.51.32
